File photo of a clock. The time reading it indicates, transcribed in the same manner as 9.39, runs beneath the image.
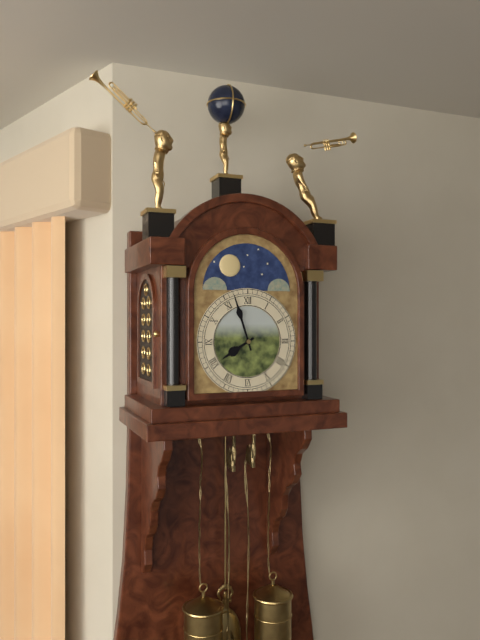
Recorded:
7.57
